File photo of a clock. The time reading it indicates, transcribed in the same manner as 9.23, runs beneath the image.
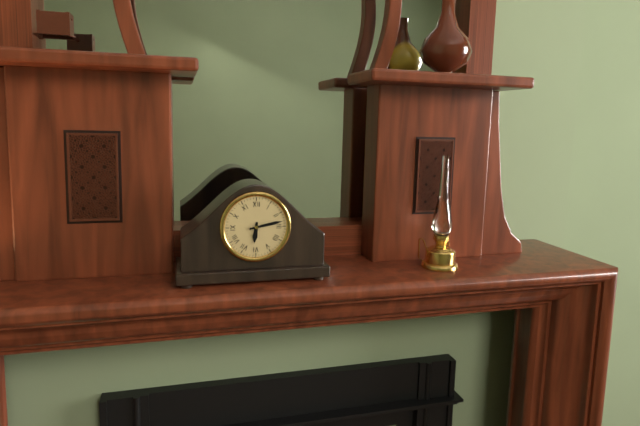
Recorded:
6.13
